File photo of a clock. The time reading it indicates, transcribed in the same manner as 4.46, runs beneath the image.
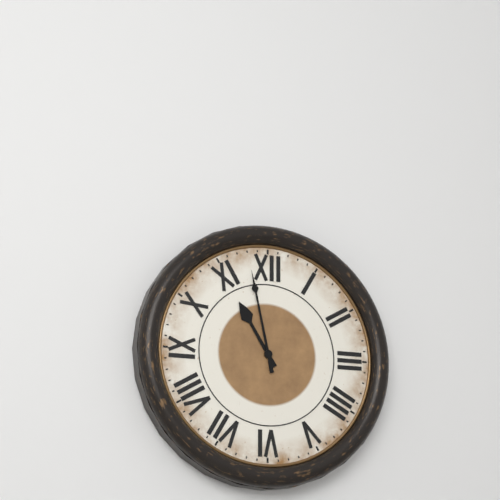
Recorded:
10.58
